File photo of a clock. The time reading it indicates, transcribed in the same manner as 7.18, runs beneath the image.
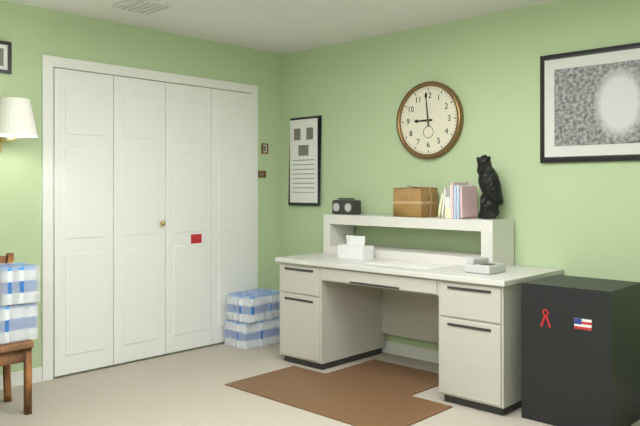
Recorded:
8.59
